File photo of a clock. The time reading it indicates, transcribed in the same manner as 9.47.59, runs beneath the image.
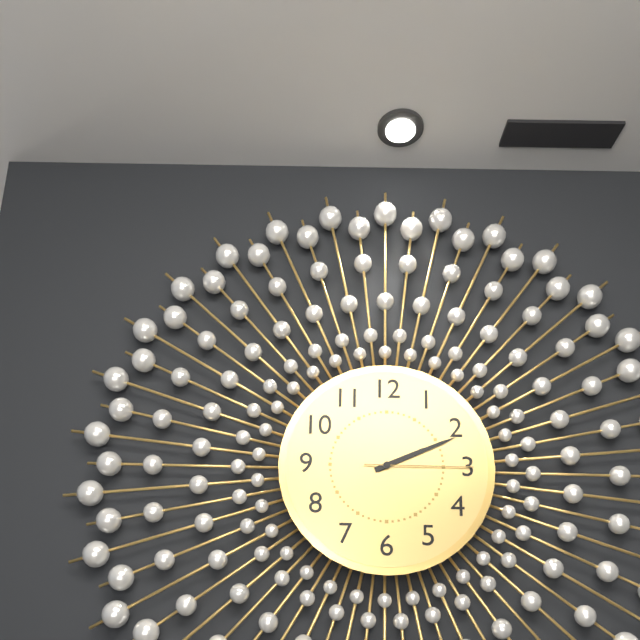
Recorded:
2.11.15
